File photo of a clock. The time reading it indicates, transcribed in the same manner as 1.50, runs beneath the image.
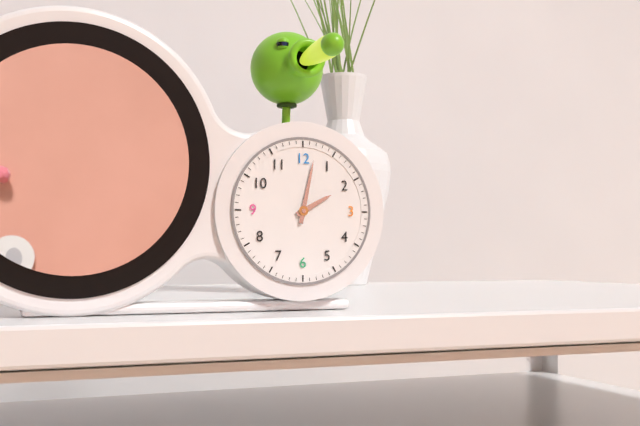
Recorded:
2.02
